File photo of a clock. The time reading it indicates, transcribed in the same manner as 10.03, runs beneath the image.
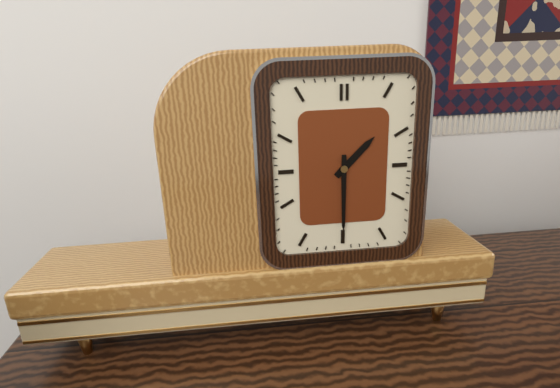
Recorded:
1.30
